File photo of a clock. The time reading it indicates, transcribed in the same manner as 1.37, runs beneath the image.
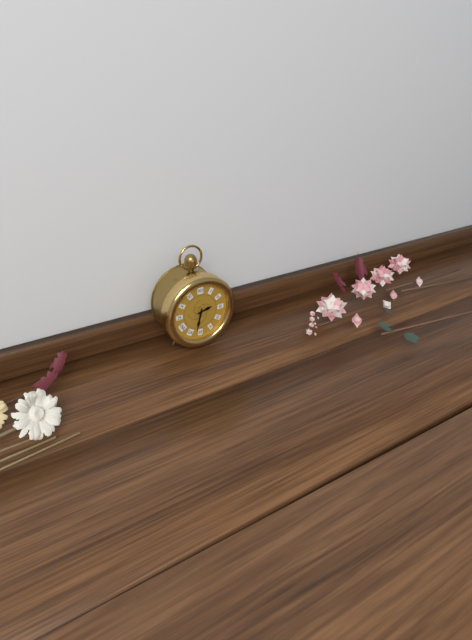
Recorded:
2.32
